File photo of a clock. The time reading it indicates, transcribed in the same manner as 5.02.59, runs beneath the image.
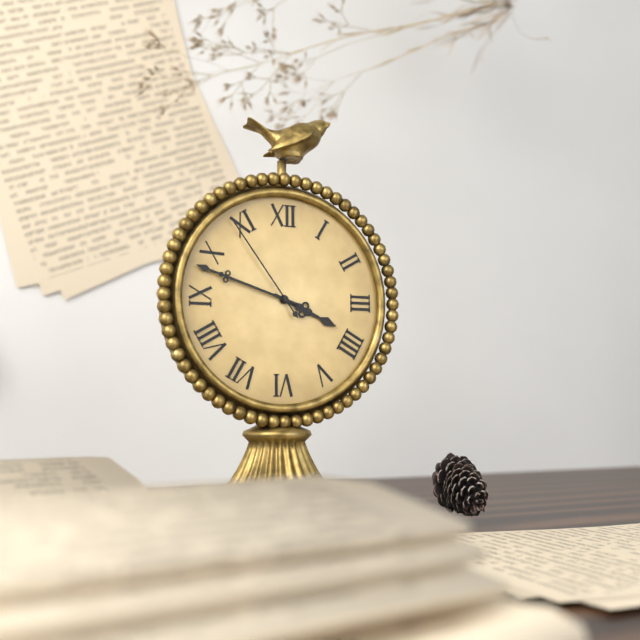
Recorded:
3.48.54
